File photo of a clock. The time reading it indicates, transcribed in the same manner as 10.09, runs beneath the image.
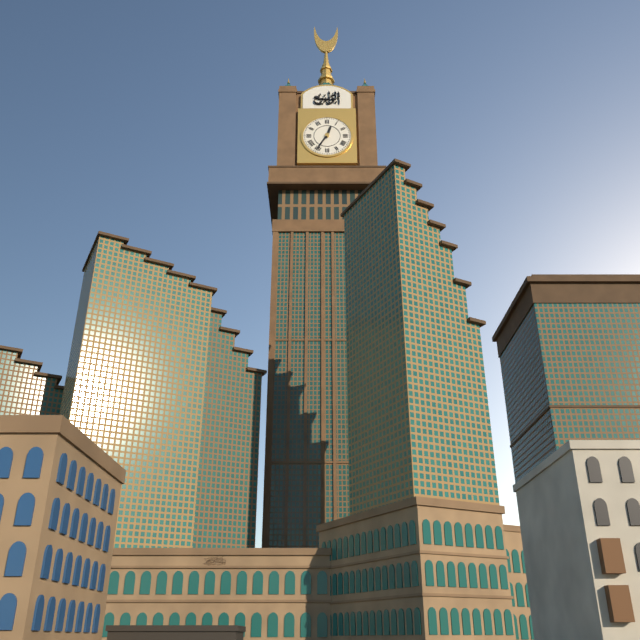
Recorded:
12.35
